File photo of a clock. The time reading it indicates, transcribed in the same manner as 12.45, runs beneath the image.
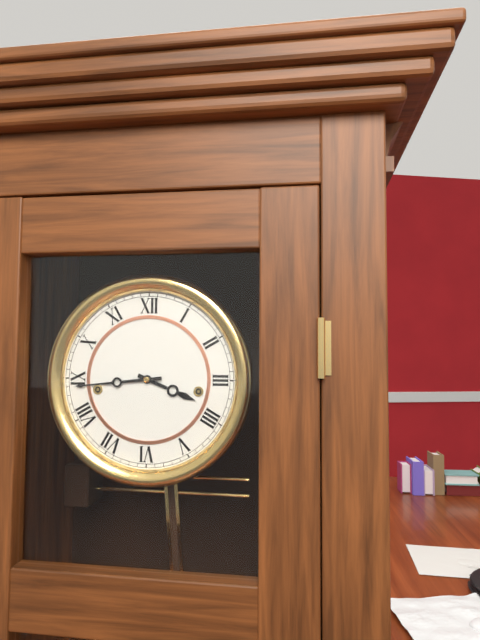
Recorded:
3.44
